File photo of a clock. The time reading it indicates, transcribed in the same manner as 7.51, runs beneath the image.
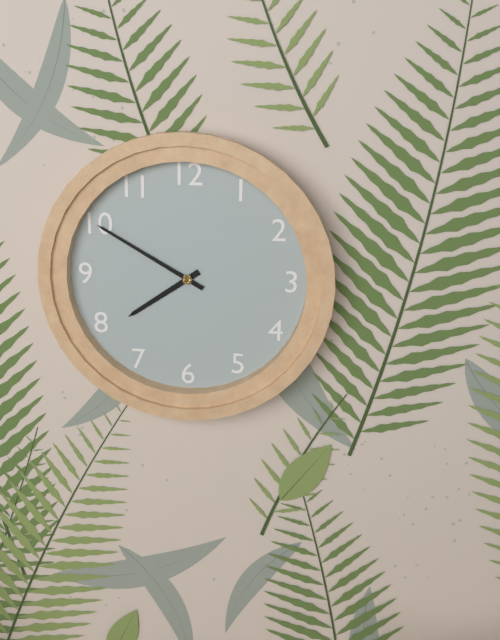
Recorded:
7.50
